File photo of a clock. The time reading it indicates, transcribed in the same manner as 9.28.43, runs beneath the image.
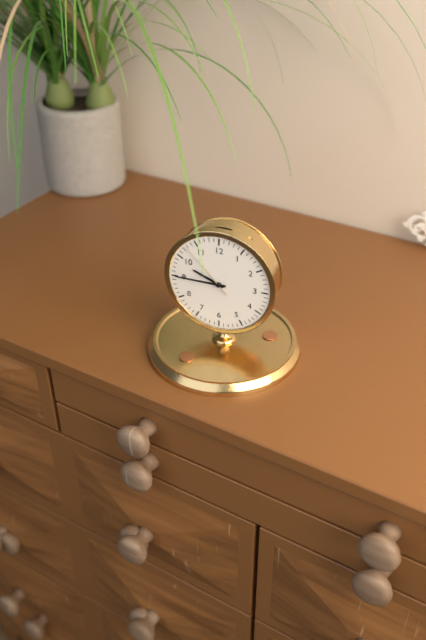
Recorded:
9.45.53
